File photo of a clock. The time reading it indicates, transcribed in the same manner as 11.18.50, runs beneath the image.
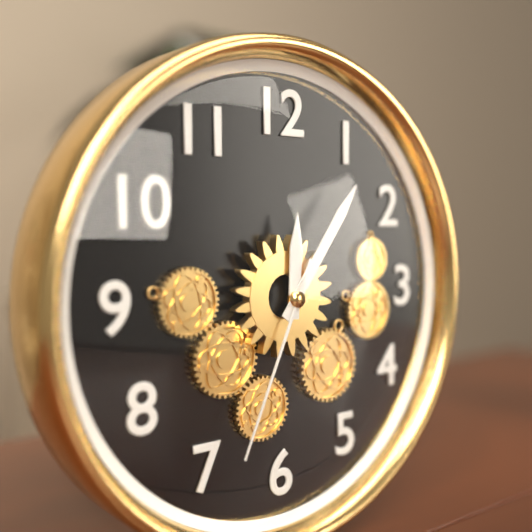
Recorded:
12.06.34
